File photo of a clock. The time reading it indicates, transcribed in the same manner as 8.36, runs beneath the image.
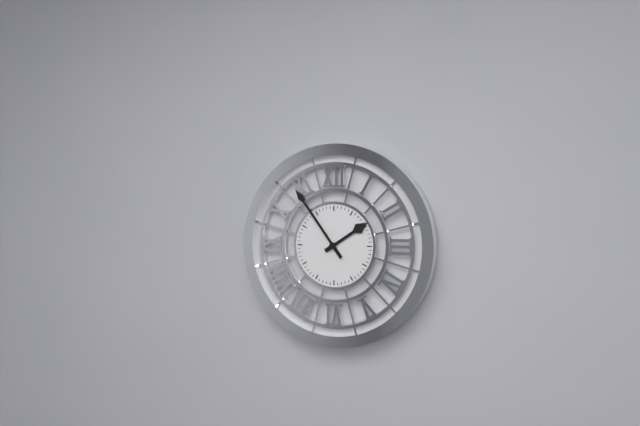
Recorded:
1.54
